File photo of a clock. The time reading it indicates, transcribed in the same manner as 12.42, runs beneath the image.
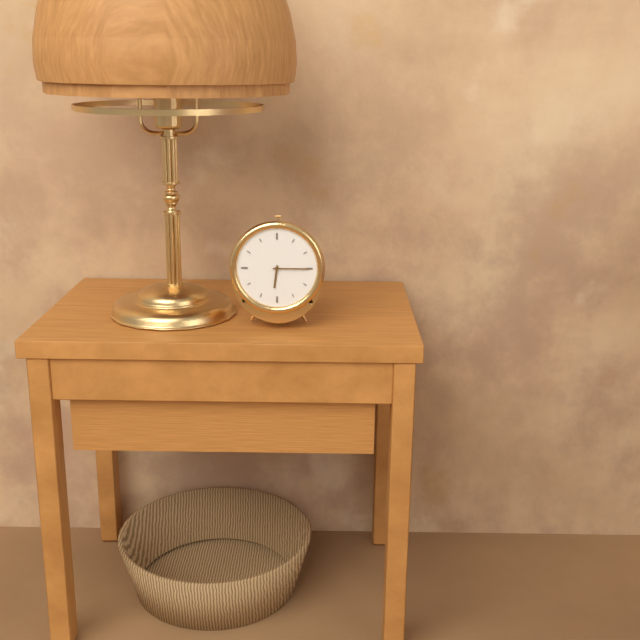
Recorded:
6.15
